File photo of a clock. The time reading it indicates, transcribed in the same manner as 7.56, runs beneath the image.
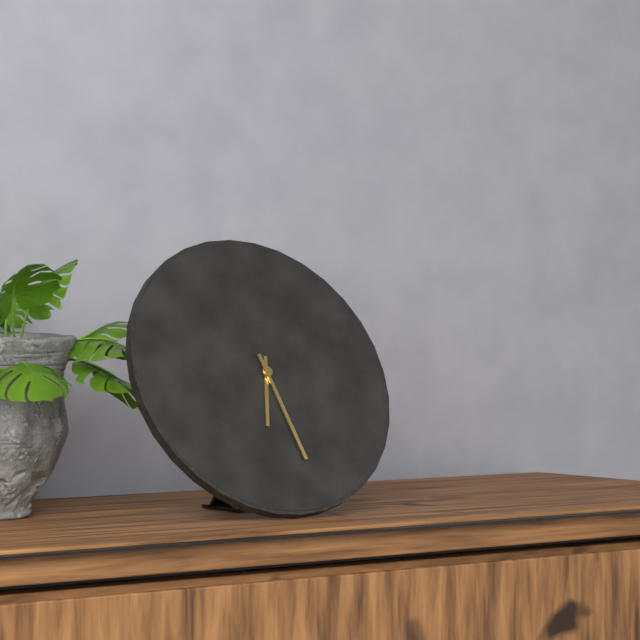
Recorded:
6.28
